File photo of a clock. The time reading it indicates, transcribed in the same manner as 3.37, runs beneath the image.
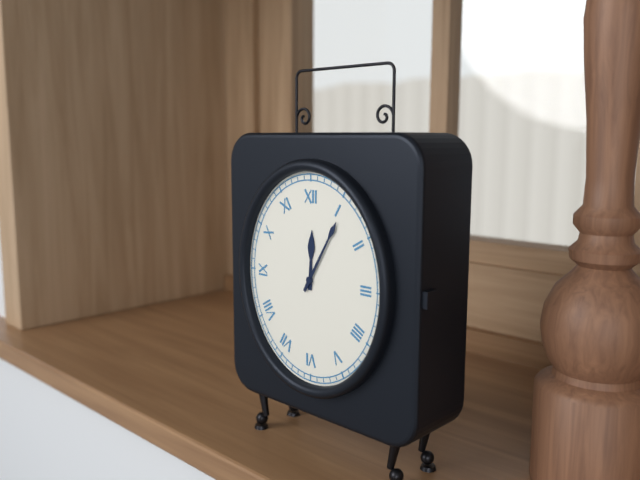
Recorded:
12.05
